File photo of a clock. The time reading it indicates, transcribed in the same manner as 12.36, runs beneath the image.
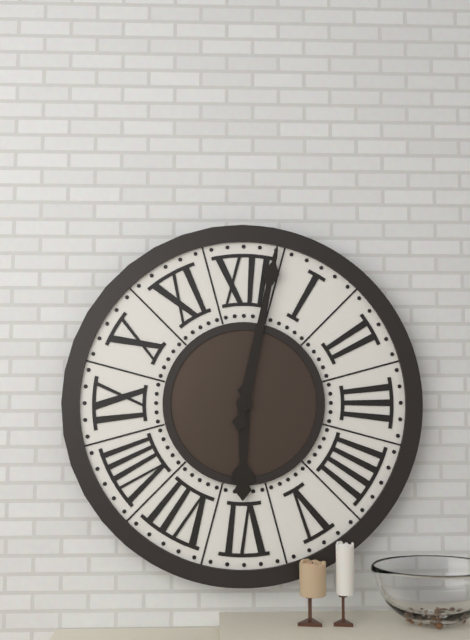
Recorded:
6.02
